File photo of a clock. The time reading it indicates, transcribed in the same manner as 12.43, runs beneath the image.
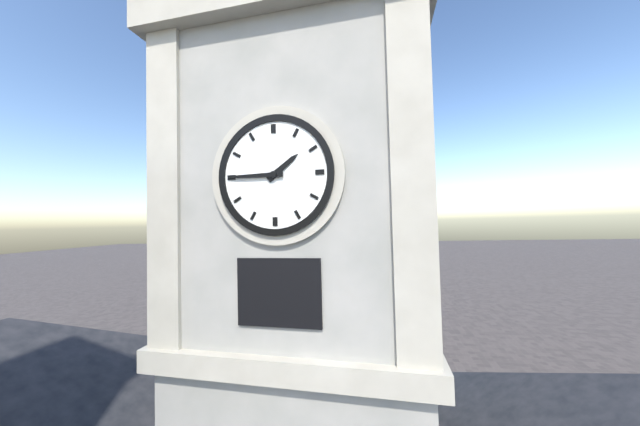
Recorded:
1.45
